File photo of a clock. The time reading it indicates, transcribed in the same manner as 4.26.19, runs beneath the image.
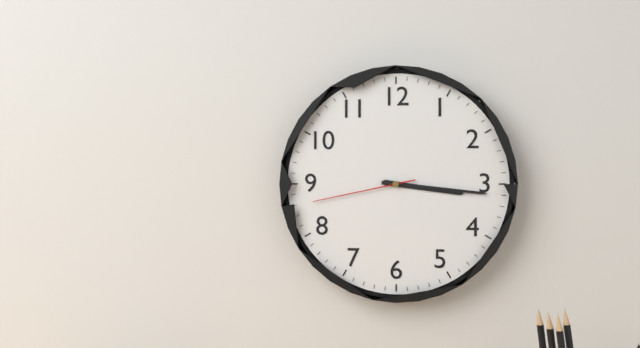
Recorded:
3.16.43
